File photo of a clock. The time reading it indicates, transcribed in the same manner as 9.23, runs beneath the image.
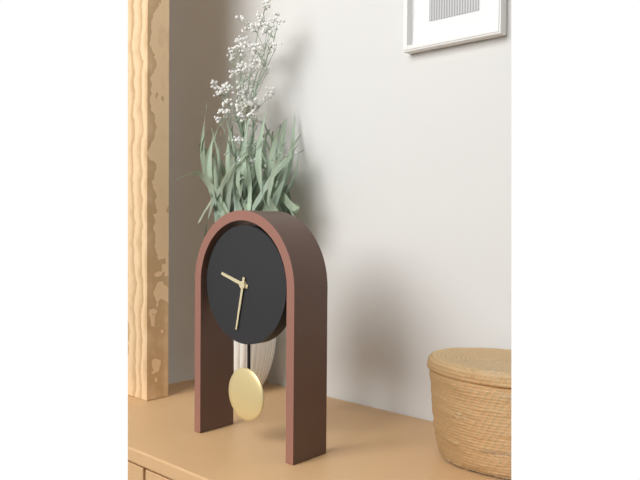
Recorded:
9.32
